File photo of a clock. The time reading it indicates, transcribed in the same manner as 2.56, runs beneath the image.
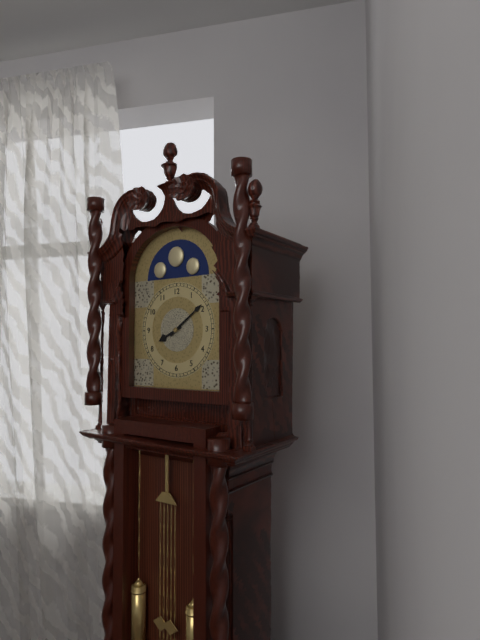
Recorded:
8.09
